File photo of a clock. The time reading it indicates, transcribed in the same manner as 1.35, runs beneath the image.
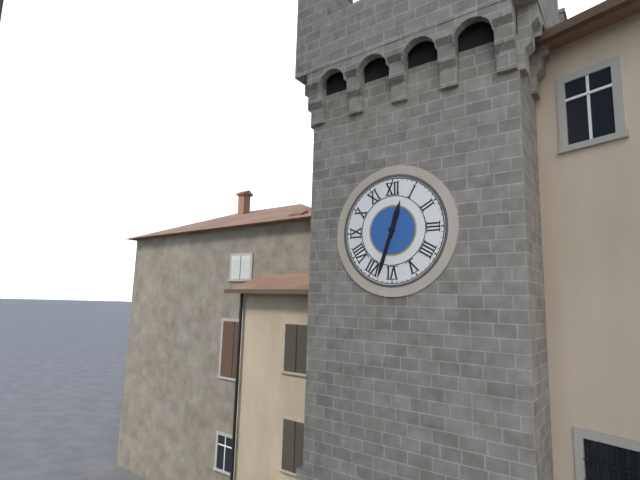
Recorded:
12.33
